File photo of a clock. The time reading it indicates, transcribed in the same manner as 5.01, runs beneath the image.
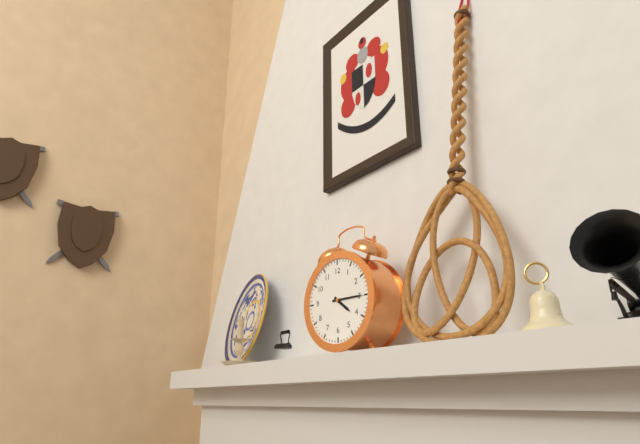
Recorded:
4.15
